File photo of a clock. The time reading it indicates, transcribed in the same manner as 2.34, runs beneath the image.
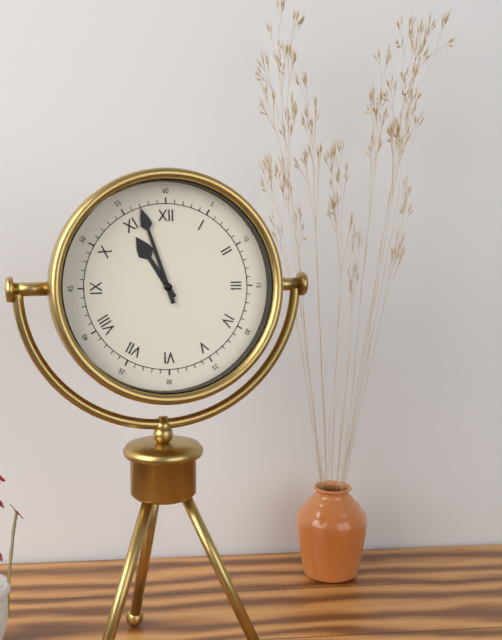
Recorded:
10.57
